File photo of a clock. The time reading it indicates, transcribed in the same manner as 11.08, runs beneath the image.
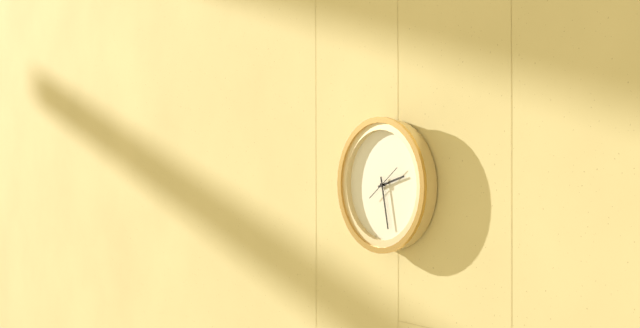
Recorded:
2.28
